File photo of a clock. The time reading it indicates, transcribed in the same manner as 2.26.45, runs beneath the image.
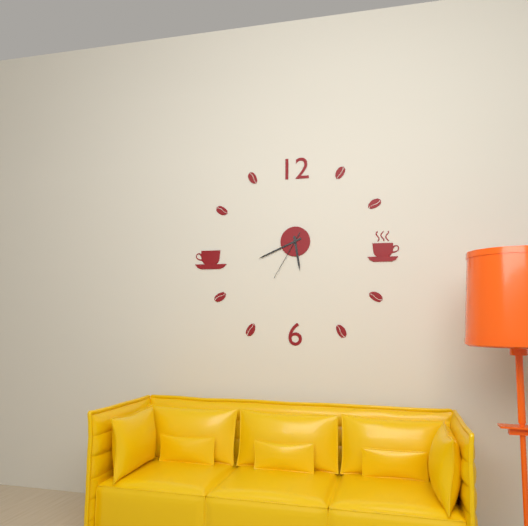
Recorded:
5.41.35
